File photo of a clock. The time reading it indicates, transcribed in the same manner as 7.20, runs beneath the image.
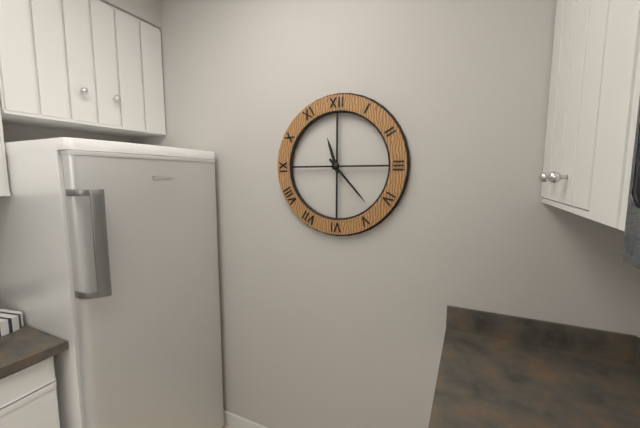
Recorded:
11.23
